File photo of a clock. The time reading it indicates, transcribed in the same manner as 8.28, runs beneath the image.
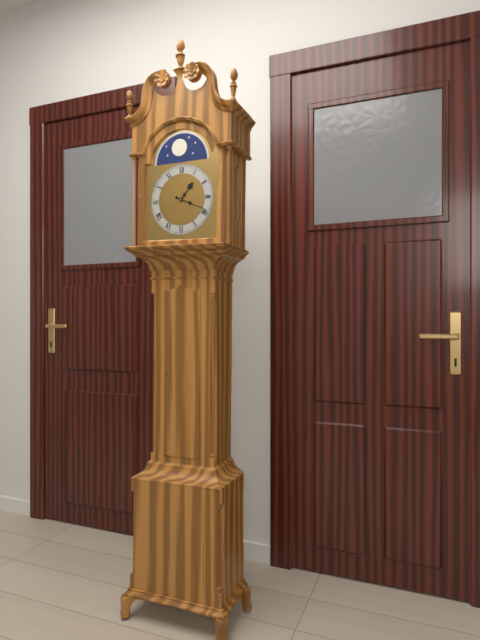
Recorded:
1.19
